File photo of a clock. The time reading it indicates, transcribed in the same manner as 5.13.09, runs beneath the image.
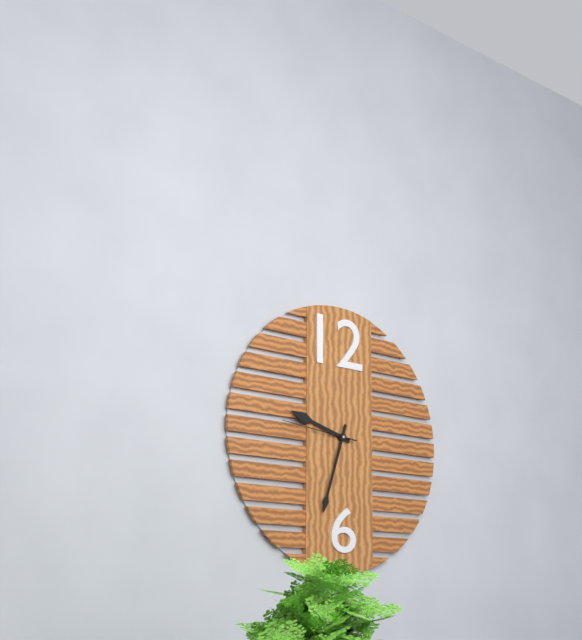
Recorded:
9.33.46
